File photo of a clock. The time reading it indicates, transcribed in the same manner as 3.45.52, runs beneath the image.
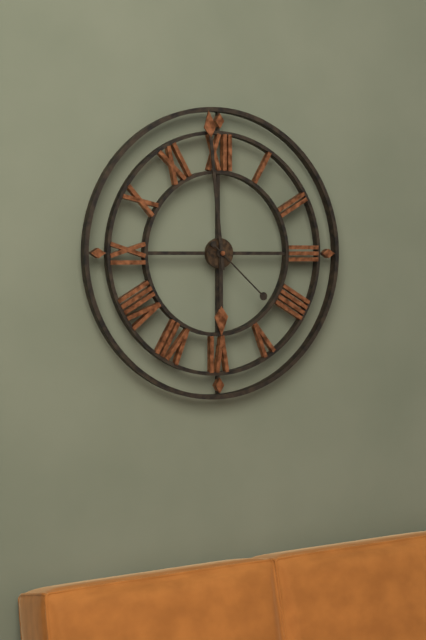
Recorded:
5.59.22
